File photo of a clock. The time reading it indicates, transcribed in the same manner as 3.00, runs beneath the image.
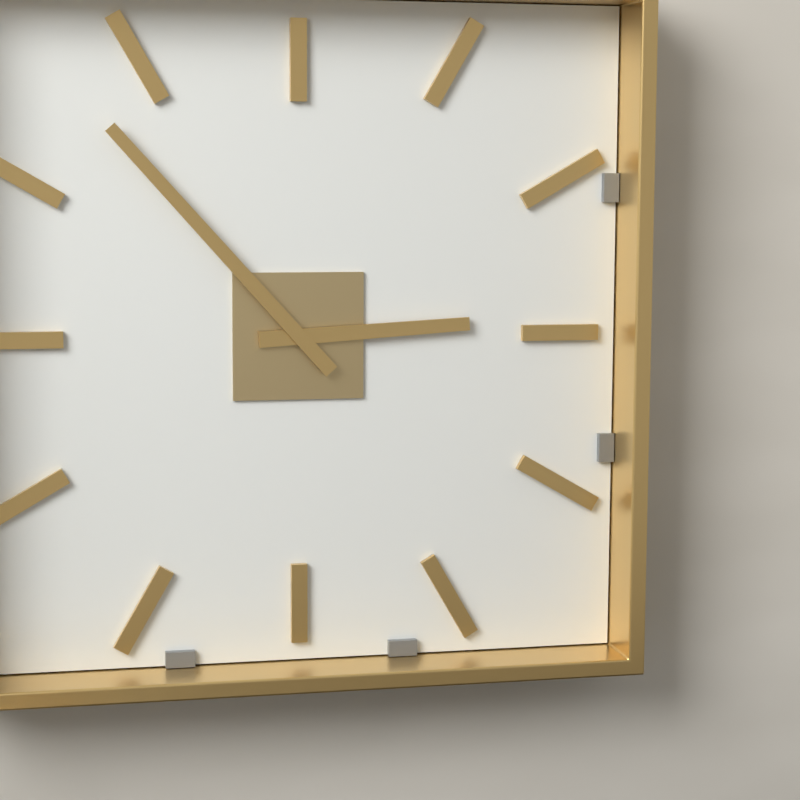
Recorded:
2.53
